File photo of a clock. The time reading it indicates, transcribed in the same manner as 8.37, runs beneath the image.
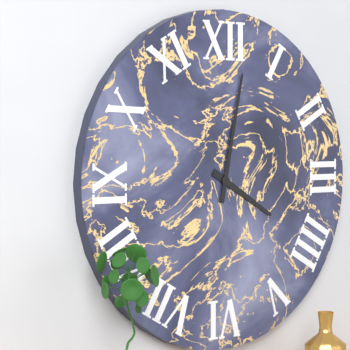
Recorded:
4.02
